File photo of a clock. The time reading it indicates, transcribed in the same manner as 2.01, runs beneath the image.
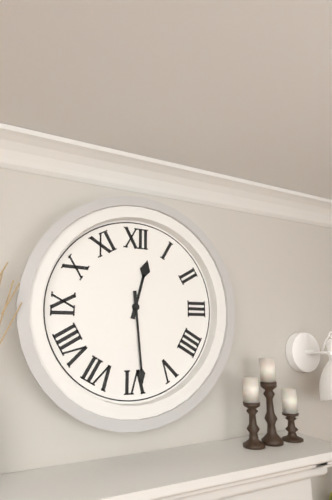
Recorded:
12.29
